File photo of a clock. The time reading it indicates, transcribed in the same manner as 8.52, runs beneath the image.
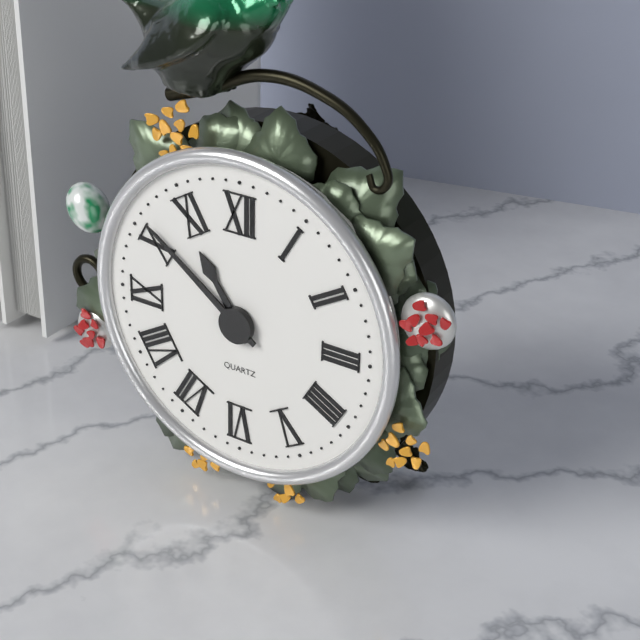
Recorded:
10.51
